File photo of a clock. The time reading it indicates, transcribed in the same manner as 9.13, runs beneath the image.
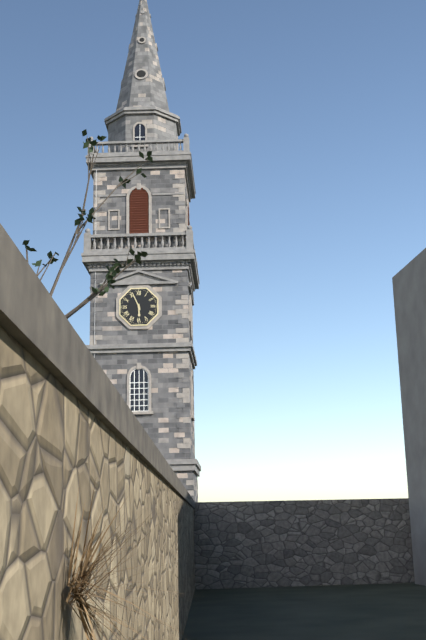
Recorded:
5.56
